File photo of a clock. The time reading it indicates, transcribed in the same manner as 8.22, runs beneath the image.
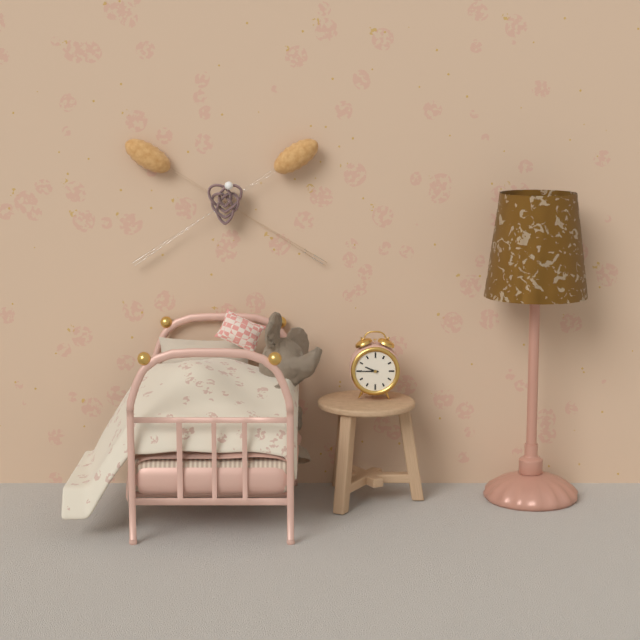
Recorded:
9.45
